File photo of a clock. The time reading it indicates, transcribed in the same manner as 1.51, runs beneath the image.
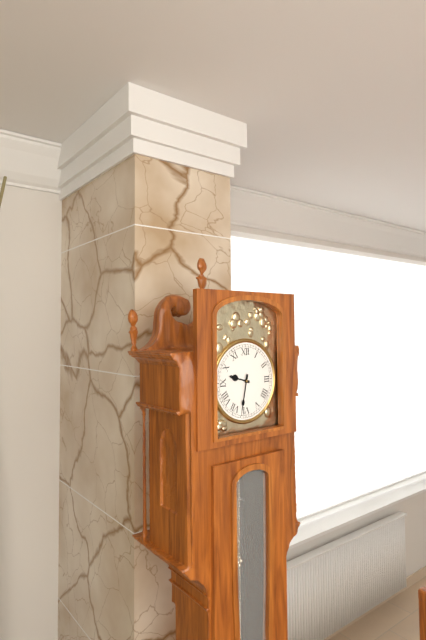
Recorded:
9.32
